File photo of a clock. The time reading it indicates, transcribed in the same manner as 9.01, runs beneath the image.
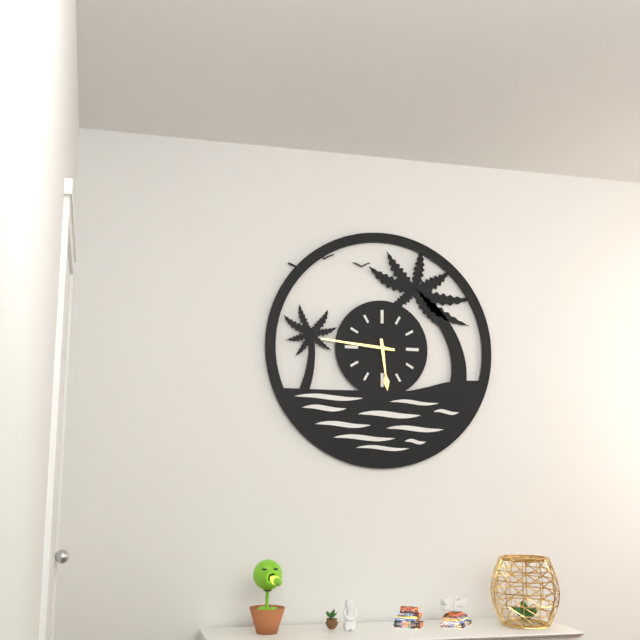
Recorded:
5.46
